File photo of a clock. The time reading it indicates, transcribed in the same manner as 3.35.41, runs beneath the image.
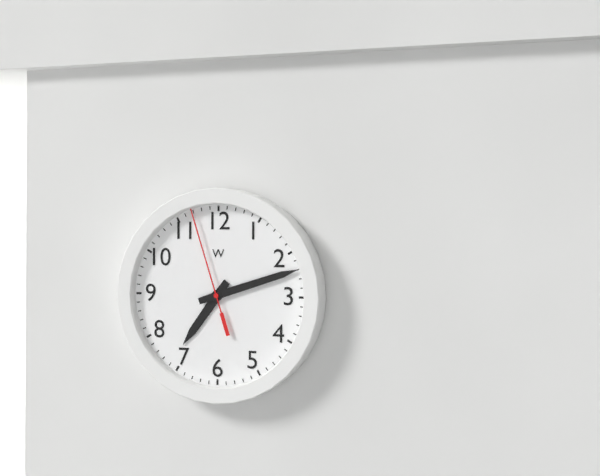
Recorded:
7.12.57
